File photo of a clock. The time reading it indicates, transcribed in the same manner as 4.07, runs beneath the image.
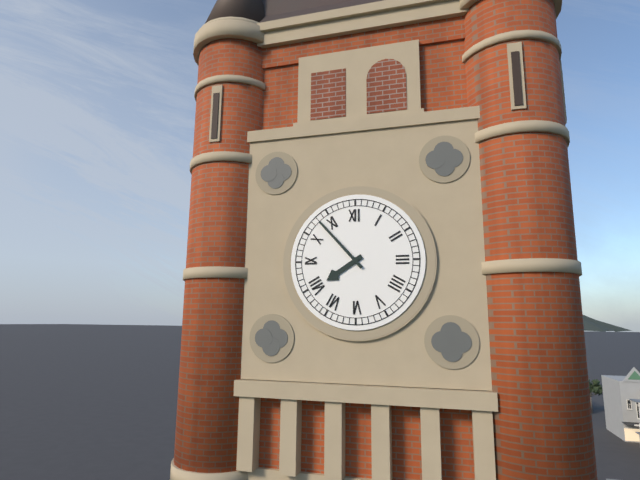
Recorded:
7.53
